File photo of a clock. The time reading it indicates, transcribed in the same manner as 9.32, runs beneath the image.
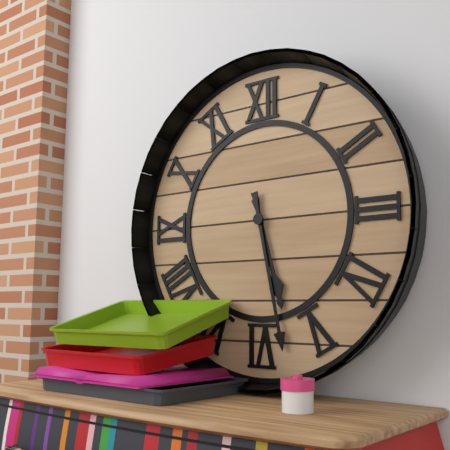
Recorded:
5.28
